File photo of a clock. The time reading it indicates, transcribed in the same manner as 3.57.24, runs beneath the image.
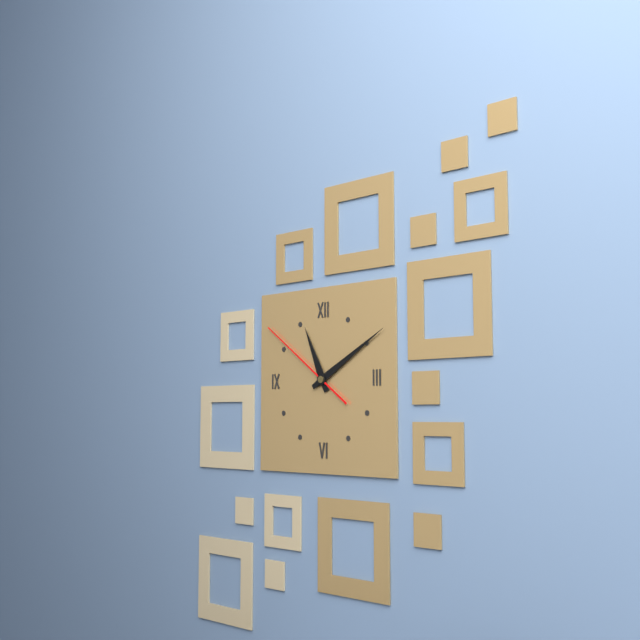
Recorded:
11.10.51
